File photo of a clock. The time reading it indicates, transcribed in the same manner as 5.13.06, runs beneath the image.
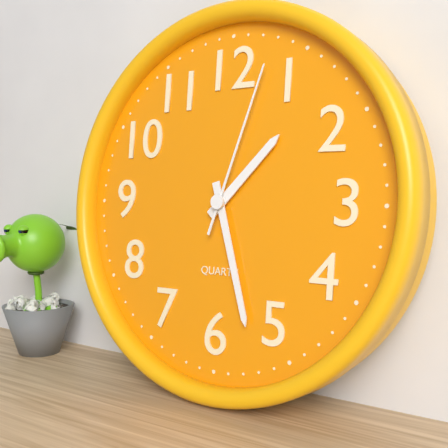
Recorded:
1.27.03
